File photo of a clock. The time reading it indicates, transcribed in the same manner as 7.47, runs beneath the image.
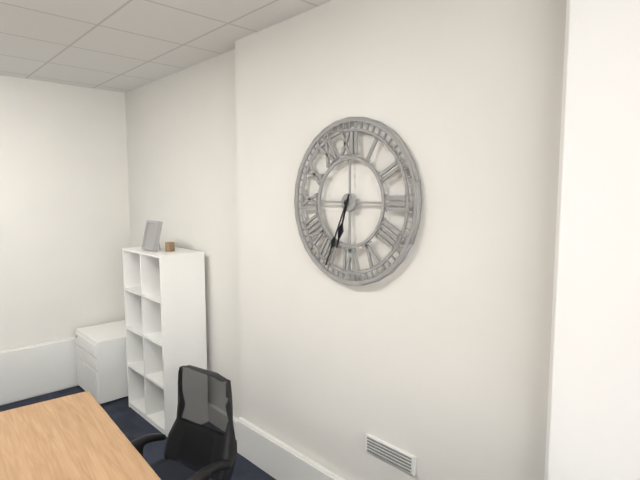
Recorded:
6.34
